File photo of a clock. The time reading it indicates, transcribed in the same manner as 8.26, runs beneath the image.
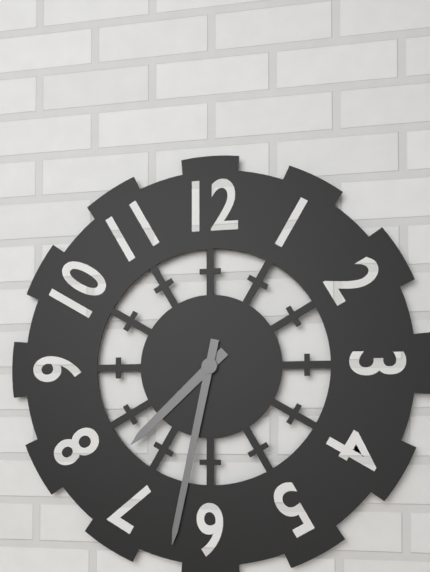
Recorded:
7.32
